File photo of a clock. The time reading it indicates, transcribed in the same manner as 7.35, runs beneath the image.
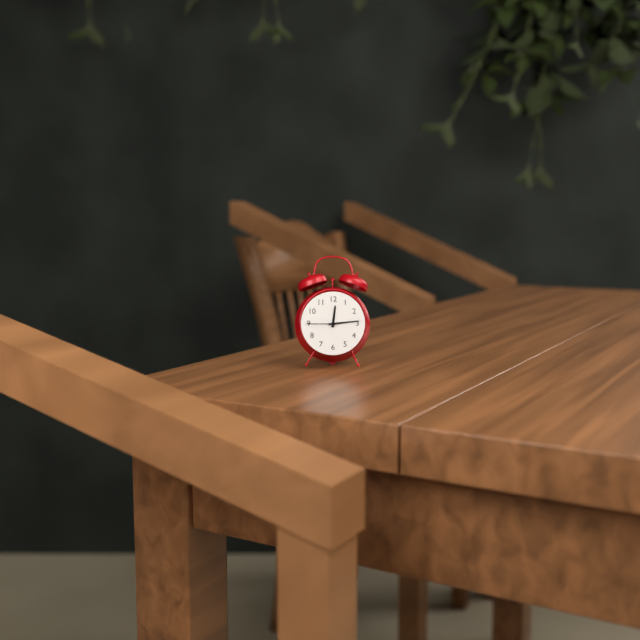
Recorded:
12.14
